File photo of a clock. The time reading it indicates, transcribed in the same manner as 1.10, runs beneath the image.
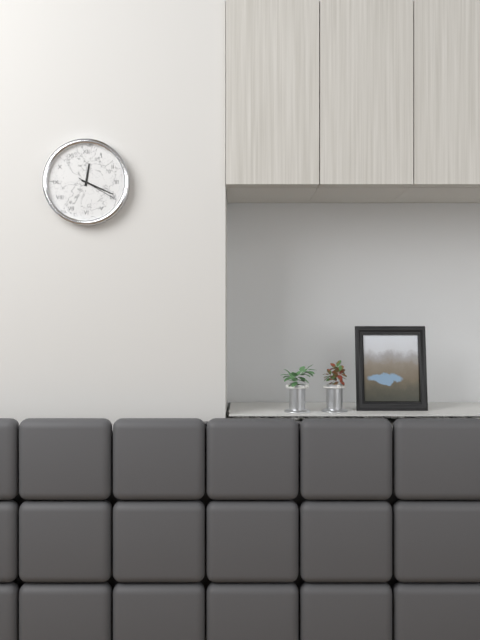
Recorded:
12.19
